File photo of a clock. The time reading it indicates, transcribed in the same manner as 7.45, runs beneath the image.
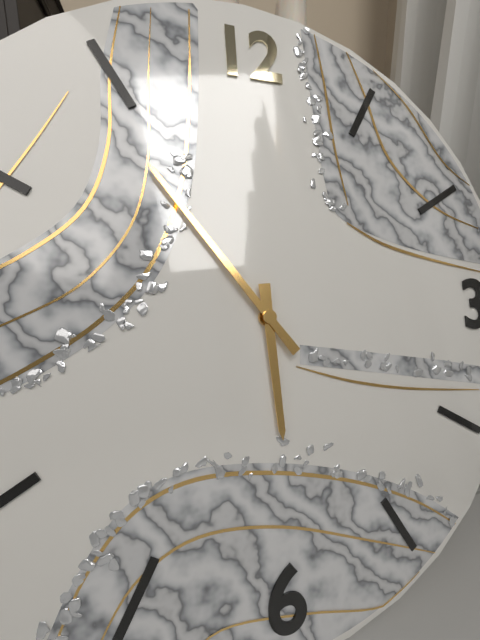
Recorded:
5.54
